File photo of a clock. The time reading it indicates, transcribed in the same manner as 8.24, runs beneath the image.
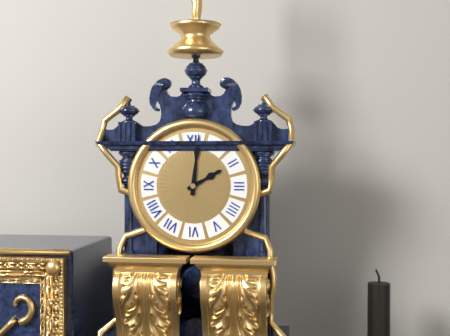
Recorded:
2.01
